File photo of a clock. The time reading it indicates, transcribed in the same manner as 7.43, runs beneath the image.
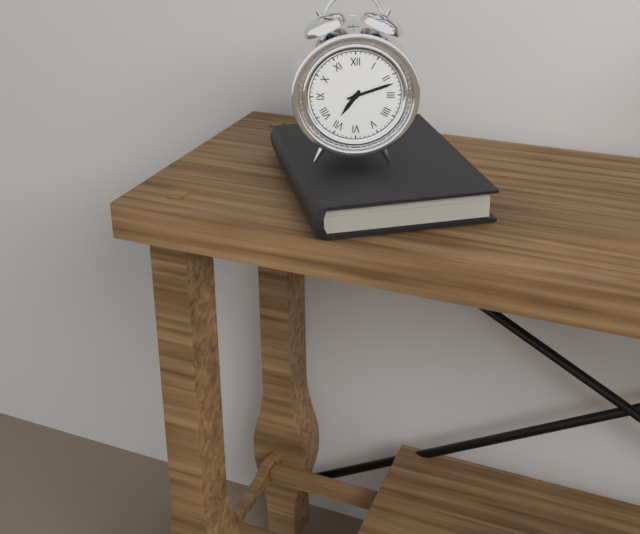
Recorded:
7.12
